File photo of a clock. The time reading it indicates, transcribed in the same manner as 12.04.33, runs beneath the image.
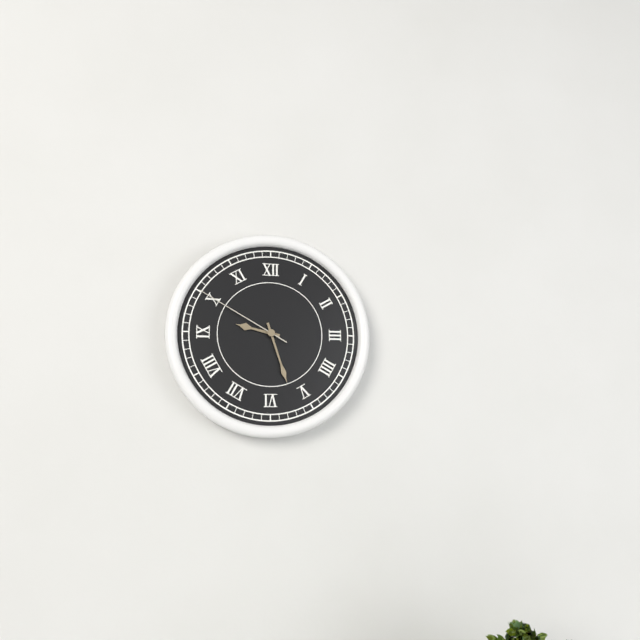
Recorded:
9.27.50
